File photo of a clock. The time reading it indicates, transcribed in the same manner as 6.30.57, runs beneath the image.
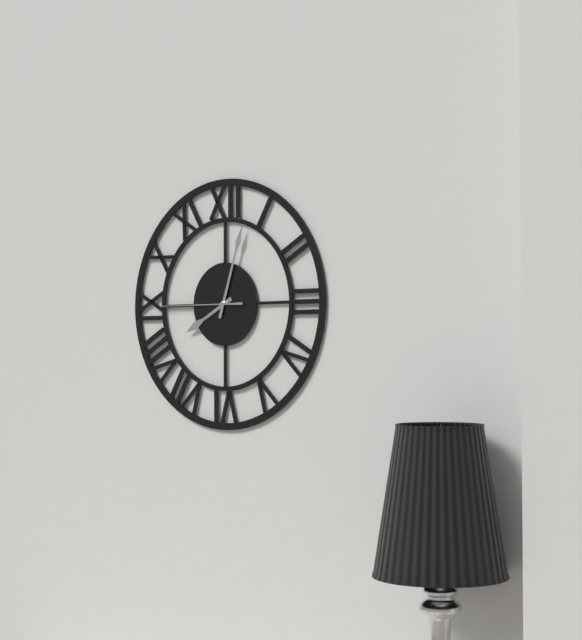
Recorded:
8.03.45
